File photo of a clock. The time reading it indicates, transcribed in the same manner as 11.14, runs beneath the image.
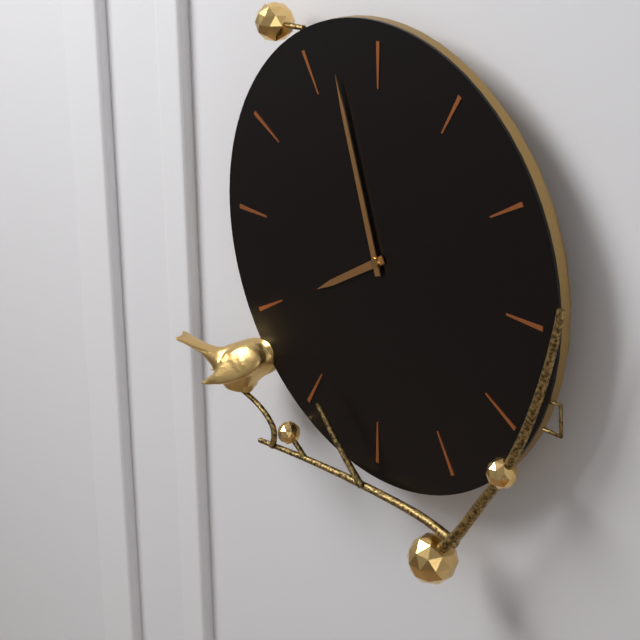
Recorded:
7.57
